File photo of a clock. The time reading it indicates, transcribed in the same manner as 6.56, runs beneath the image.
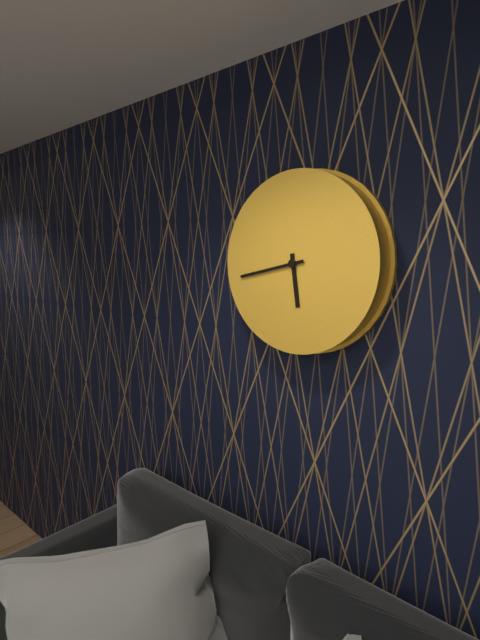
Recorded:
5.43
